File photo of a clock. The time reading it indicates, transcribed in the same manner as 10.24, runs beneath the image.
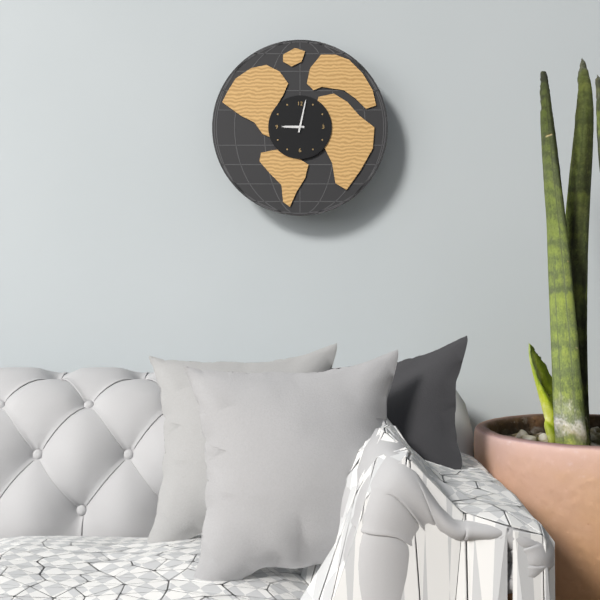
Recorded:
9.02
